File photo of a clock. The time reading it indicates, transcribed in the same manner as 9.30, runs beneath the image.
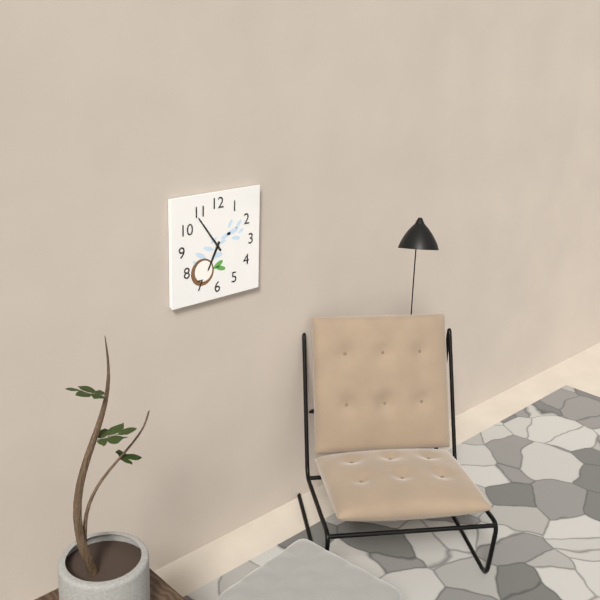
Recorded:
6.54
